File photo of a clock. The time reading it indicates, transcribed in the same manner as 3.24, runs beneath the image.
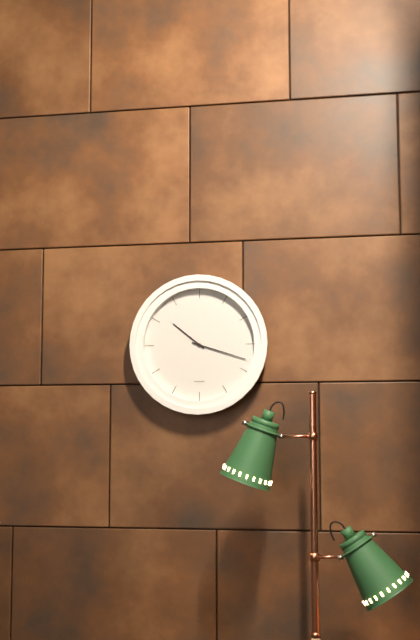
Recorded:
10.18
